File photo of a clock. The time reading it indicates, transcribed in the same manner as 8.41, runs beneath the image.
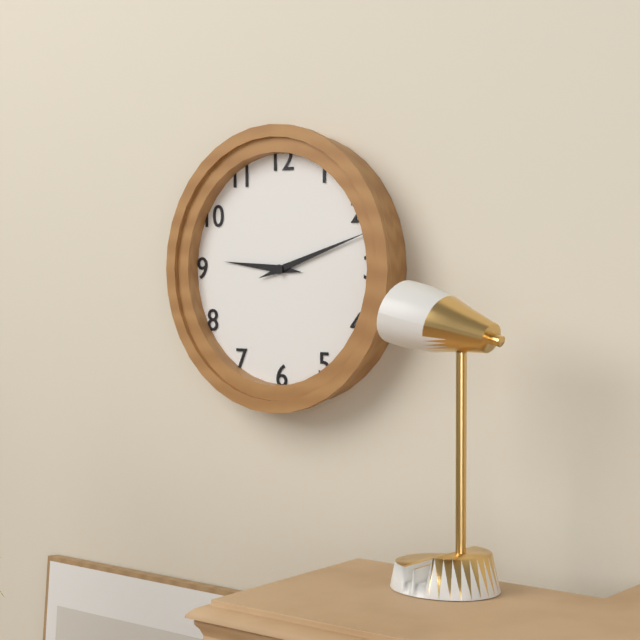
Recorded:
9.12
